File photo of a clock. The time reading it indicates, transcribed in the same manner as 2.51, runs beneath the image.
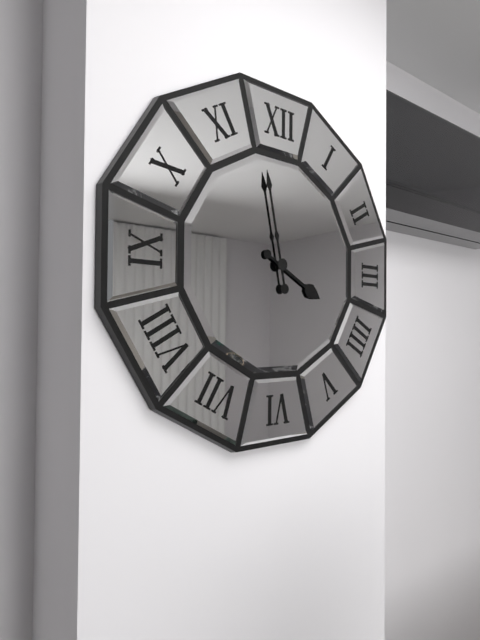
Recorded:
3.58
